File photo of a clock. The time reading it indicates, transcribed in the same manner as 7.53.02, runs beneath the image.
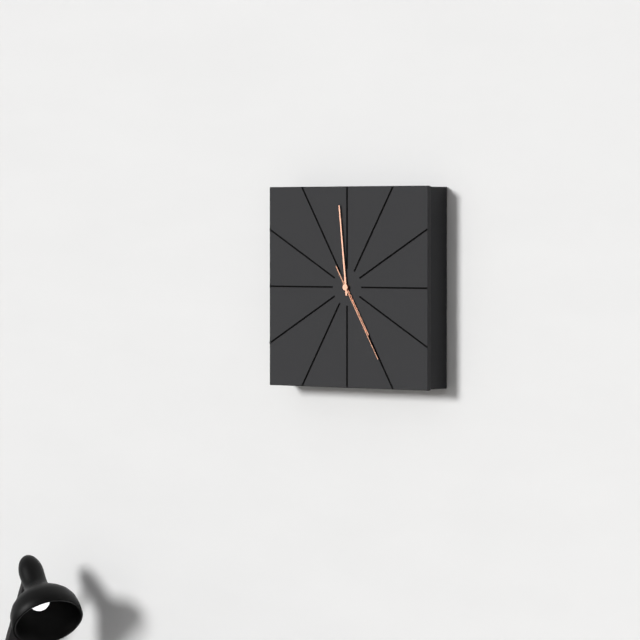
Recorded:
4.59.25
